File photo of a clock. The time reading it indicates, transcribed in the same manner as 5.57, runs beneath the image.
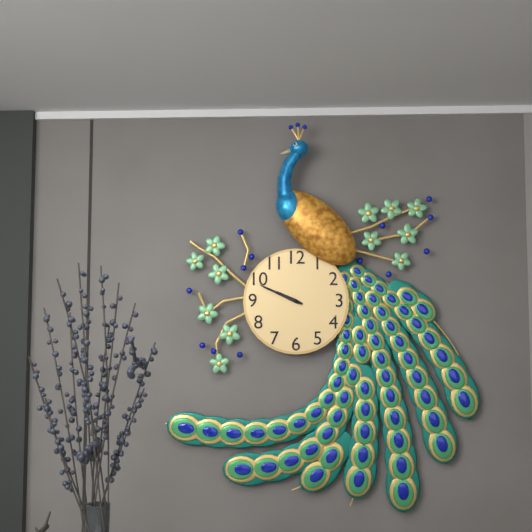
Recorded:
9.49
